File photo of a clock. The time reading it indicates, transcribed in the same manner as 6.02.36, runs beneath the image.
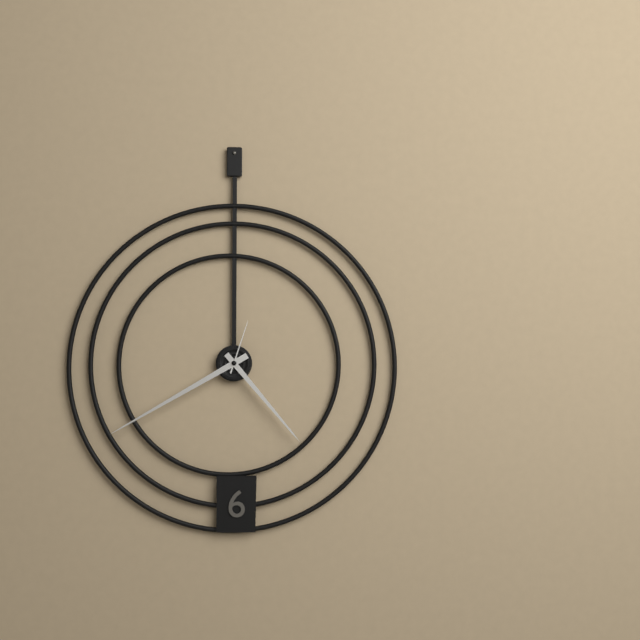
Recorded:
4.40.03
